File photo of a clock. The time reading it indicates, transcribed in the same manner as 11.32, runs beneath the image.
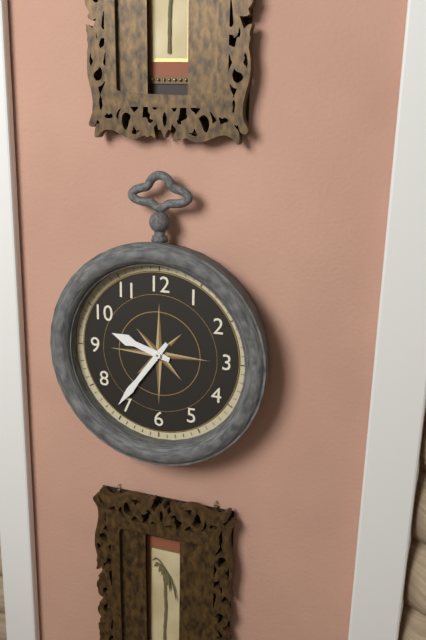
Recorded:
9.36
